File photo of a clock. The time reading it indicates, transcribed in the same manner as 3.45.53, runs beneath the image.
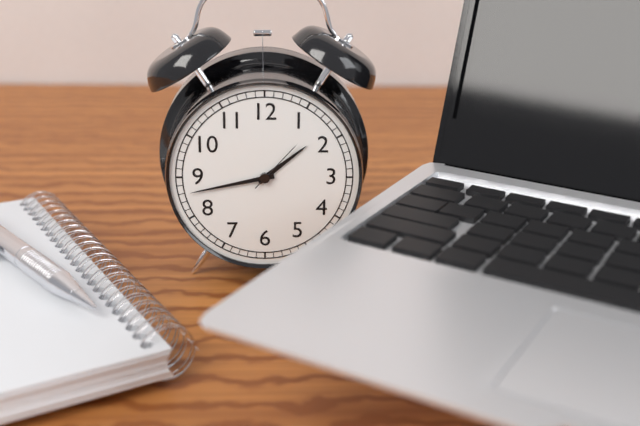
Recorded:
1.43.07
